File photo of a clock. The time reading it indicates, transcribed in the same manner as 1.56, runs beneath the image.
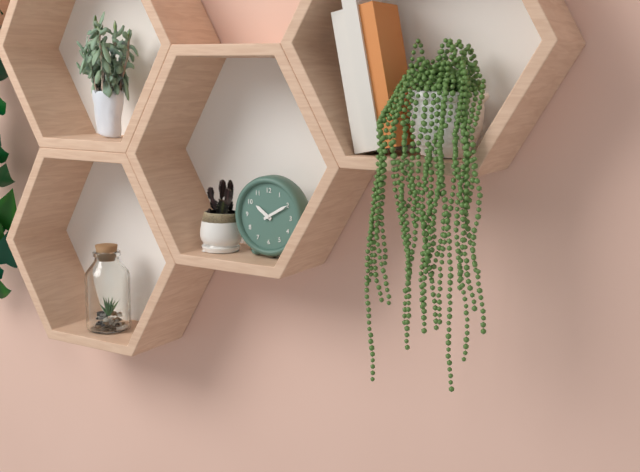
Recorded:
10.10
